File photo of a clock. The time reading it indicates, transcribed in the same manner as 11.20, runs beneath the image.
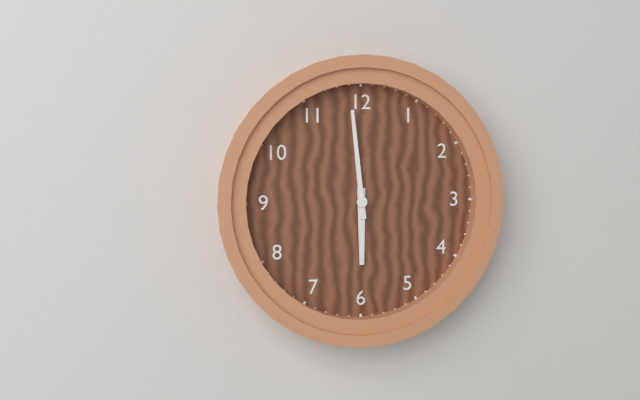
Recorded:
5.59
